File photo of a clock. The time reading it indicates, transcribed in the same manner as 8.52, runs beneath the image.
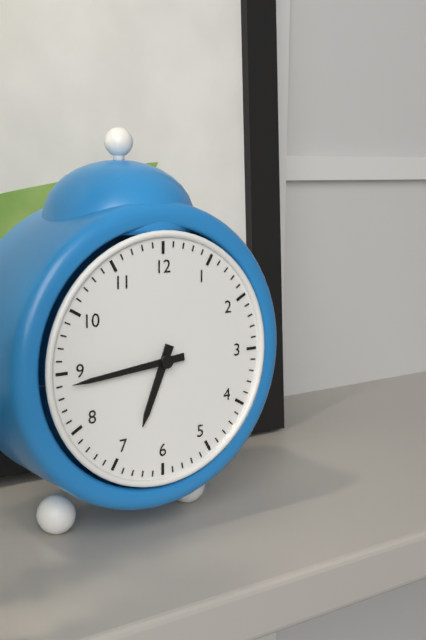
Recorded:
6.44
